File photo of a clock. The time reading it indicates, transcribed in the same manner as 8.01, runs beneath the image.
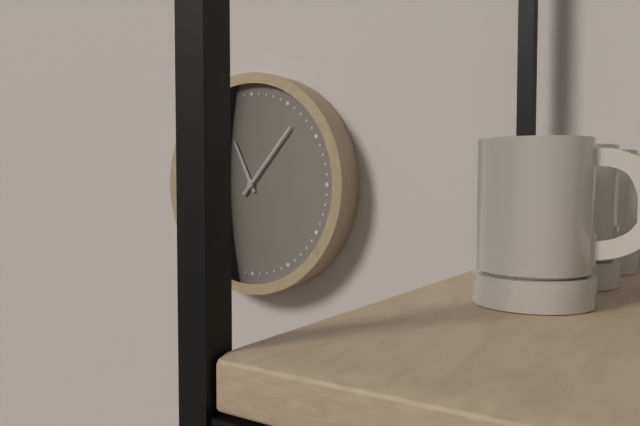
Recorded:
11.07
